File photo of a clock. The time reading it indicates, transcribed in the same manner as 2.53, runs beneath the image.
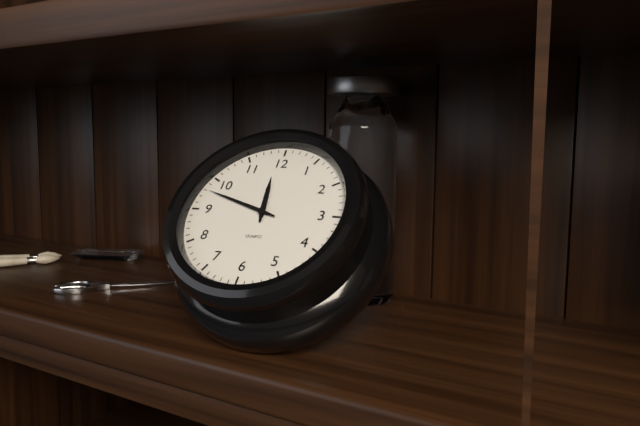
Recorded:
11.48
